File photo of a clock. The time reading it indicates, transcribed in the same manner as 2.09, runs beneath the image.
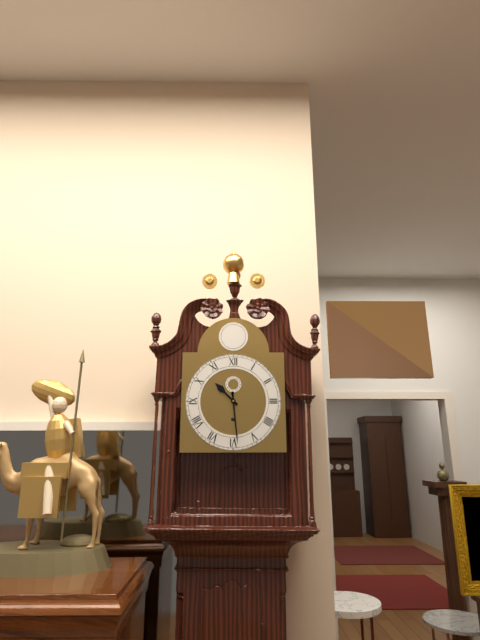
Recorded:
10.29
